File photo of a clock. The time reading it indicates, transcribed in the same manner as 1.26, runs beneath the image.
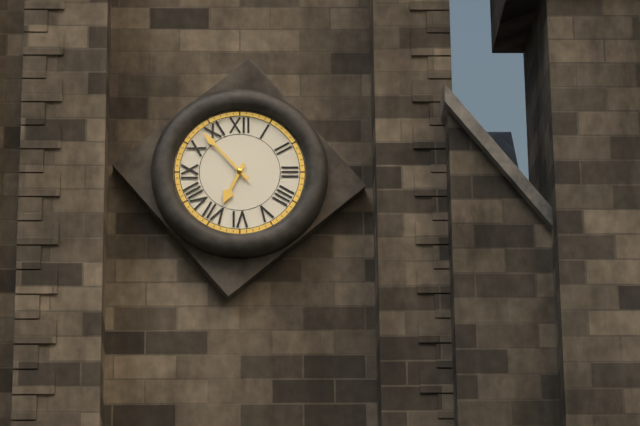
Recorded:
6.53
